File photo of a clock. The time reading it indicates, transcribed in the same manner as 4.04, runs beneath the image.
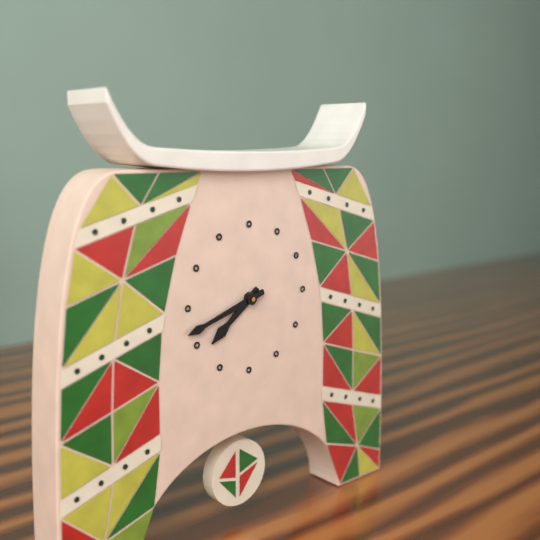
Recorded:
7.42
